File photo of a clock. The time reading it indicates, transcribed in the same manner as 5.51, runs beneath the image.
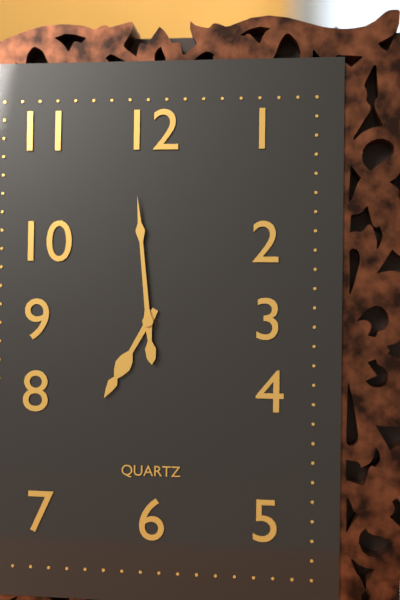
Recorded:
6.59
